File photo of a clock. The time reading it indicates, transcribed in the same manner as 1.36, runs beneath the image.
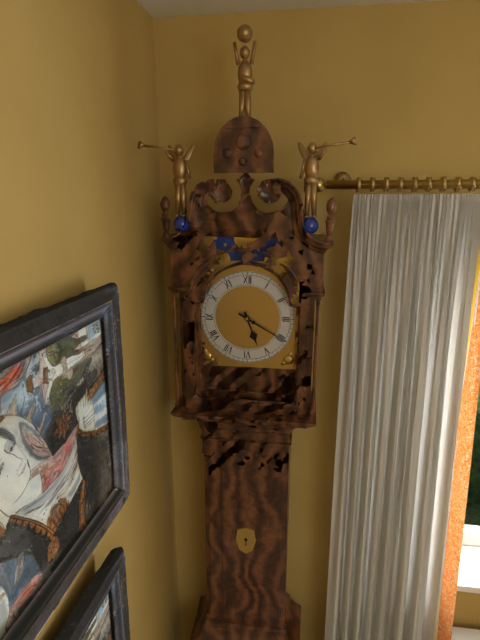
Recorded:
5.20
